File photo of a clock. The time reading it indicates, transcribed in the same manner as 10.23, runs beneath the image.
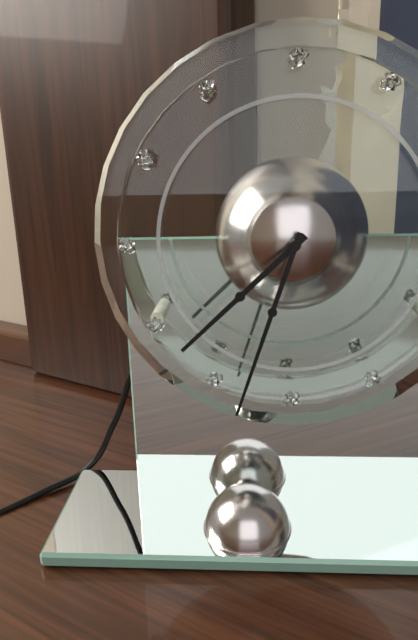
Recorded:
7.33
